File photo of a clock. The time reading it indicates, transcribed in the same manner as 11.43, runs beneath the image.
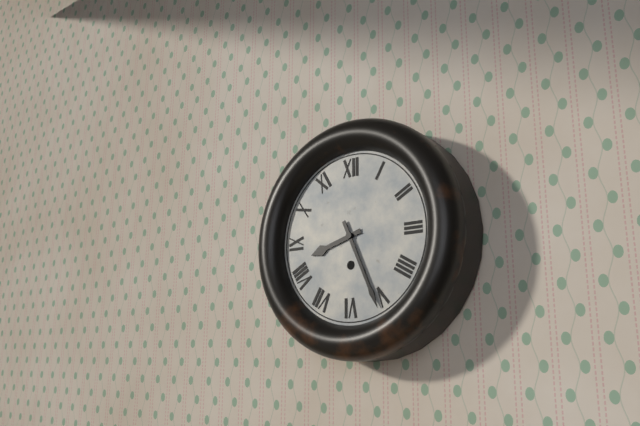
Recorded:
8.26
